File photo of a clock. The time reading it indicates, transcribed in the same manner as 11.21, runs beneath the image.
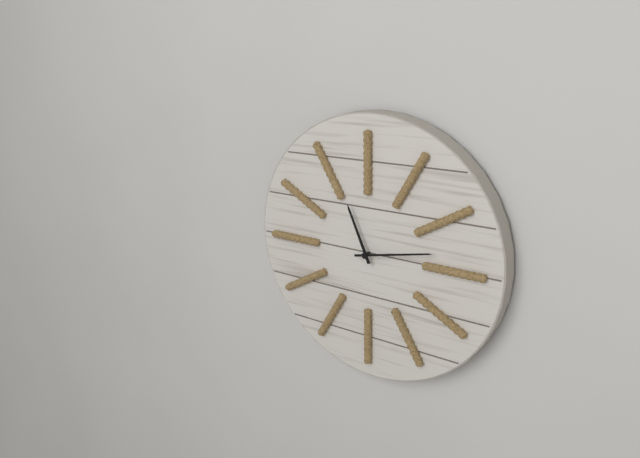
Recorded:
11.13
